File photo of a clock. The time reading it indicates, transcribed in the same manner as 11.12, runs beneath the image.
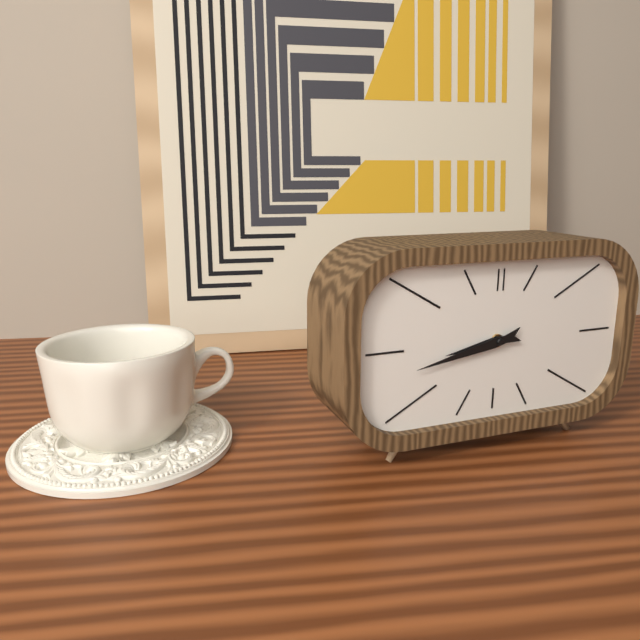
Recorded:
8.43
